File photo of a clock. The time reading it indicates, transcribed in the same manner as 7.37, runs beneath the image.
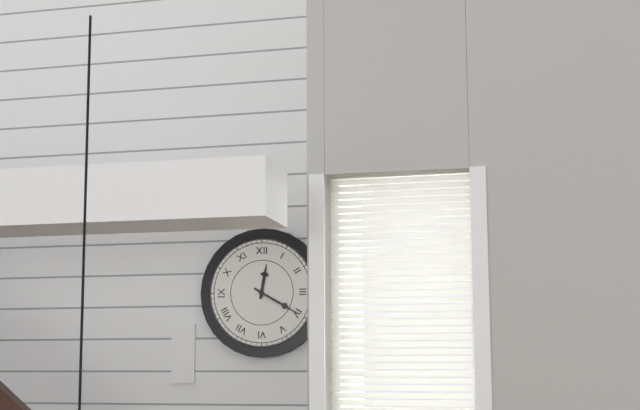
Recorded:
12.20
